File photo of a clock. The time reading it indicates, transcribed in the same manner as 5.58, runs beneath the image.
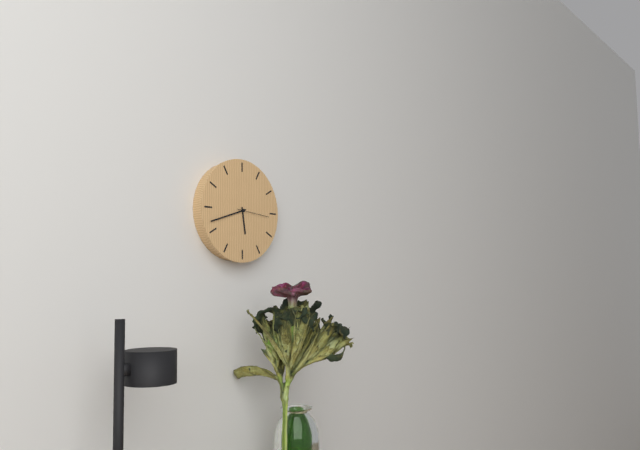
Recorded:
5.42
